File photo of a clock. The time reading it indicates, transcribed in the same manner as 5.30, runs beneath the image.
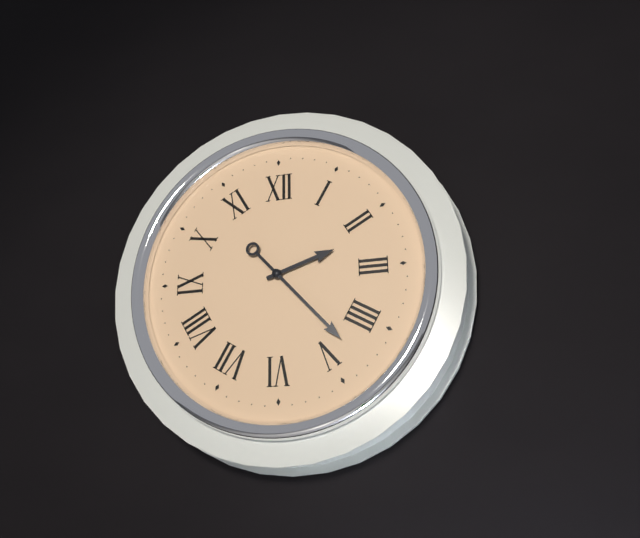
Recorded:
2.23
